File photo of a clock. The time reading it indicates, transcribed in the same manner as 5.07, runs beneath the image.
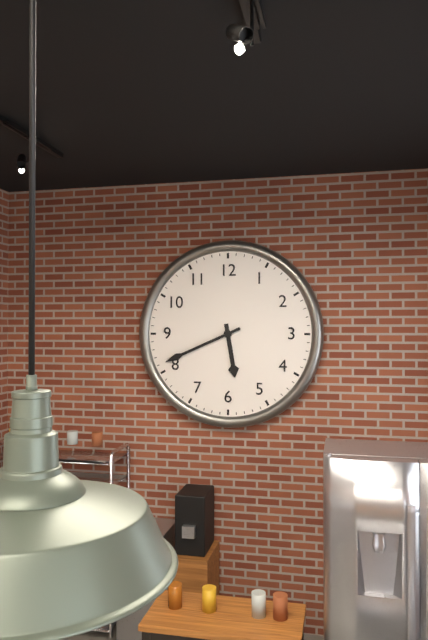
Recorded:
5.41
